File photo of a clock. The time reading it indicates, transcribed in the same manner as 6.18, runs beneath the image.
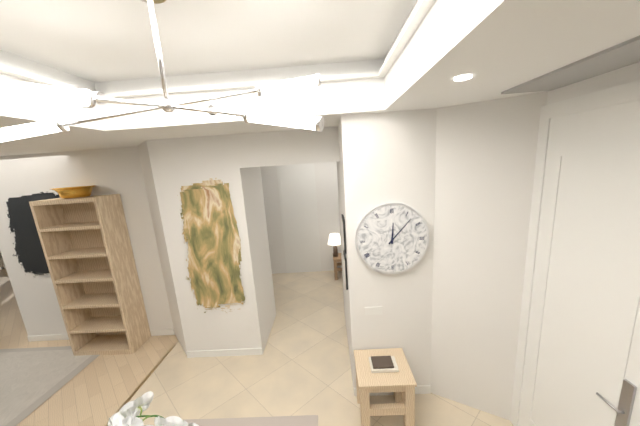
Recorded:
12.07
